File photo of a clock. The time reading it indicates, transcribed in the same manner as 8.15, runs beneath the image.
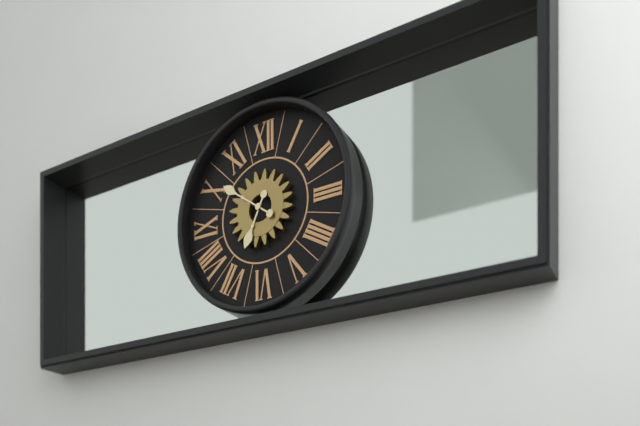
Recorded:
6.51
